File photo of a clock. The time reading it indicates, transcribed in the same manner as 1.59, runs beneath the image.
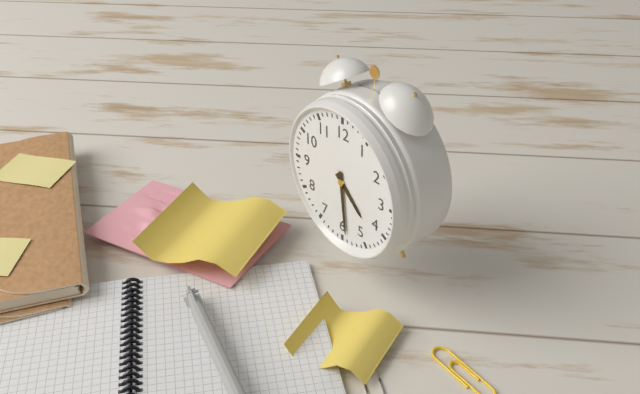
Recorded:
4.29
